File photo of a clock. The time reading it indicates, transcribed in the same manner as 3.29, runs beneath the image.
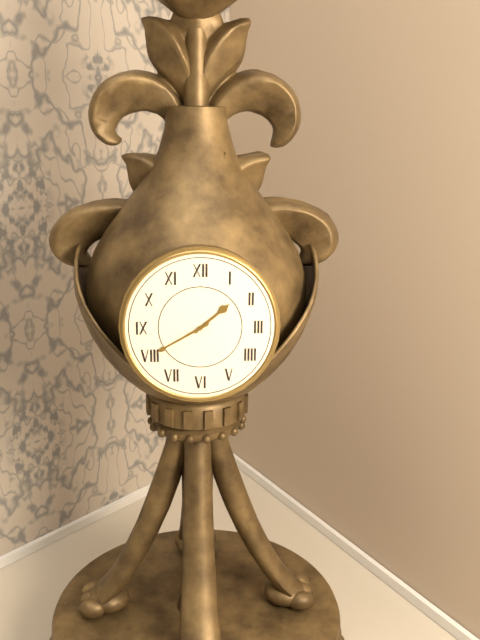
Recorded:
1.40
